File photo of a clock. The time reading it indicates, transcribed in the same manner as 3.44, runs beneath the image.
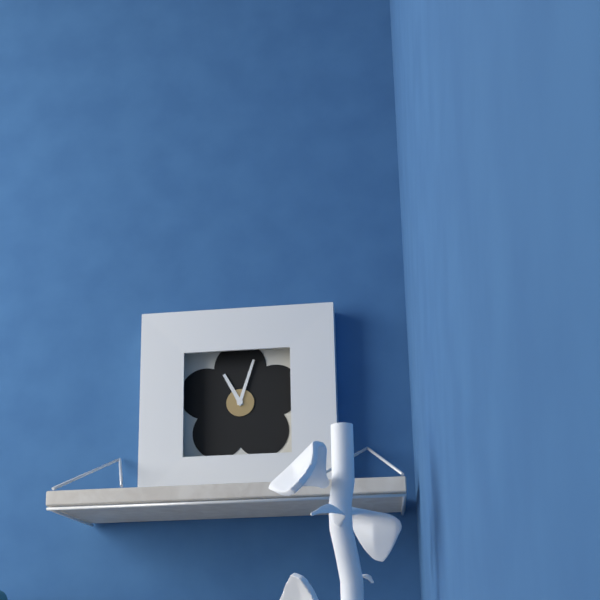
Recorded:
11.03
